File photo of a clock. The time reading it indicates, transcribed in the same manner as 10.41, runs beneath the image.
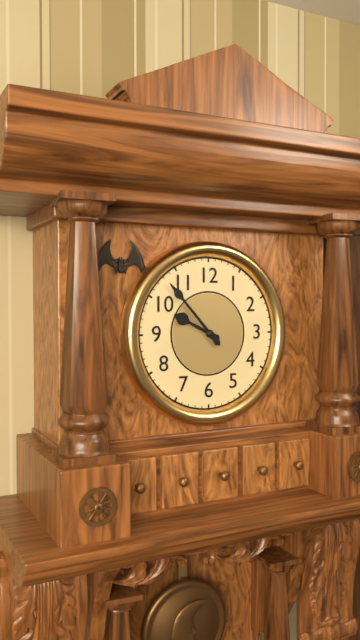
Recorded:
9.53
